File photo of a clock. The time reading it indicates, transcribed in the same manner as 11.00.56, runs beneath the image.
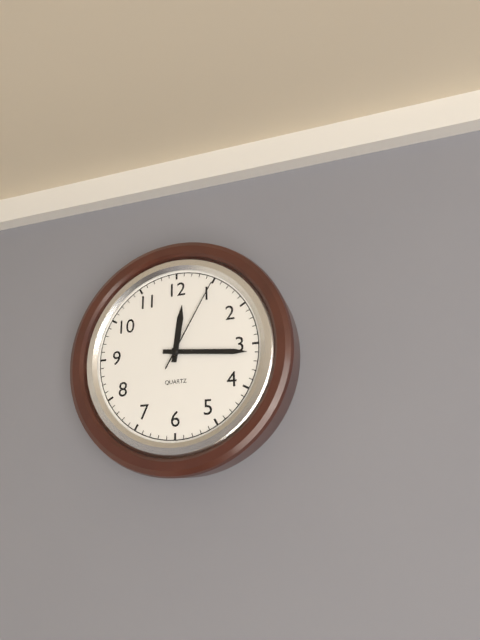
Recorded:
12.16.05
